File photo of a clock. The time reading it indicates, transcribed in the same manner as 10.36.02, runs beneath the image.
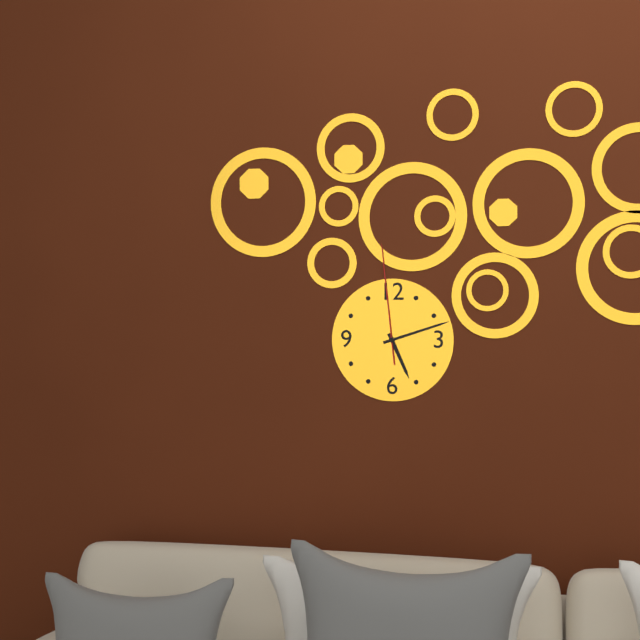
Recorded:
5.12.59
